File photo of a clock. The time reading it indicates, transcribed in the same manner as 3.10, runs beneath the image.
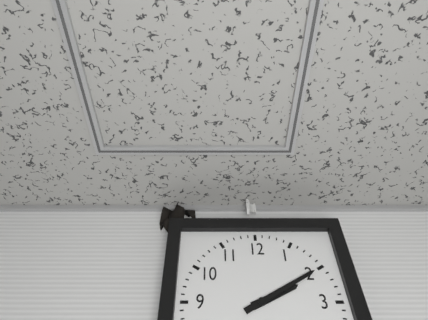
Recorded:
2.10
